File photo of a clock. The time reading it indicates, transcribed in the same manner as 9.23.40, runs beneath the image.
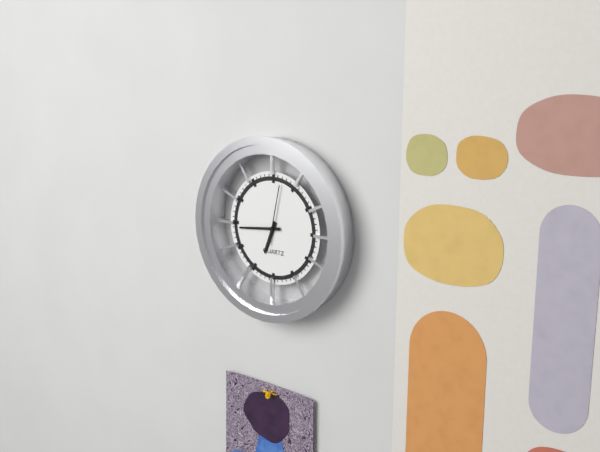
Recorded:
6.44.02
